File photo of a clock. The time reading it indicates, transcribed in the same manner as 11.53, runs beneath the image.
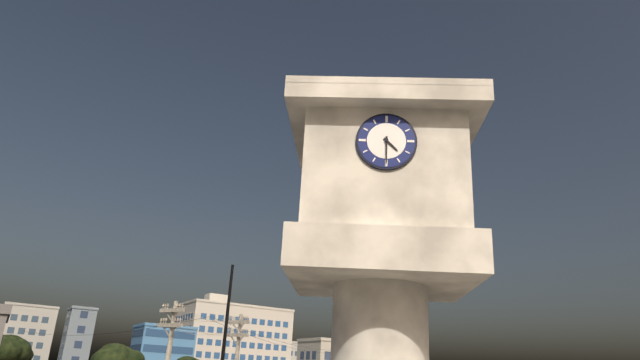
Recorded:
4.30
